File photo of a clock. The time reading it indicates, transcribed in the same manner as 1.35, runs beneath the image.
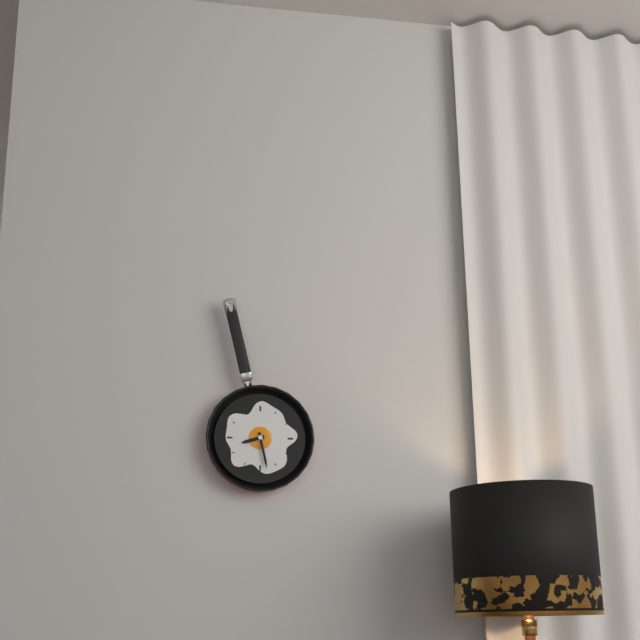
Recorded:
8.28
